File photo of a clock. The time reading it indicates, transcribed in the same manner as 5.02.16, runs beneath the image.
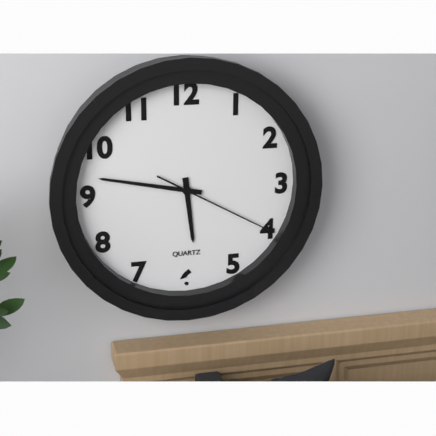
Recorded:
5.47.20
